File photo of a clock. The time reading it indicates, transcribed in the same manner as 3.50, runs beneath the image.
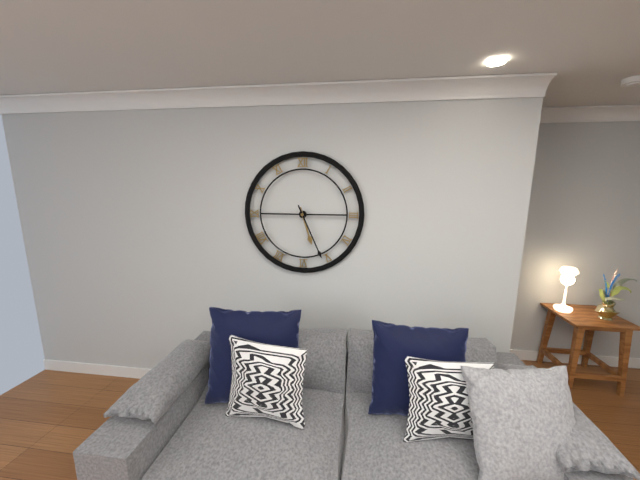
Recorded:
5.26
